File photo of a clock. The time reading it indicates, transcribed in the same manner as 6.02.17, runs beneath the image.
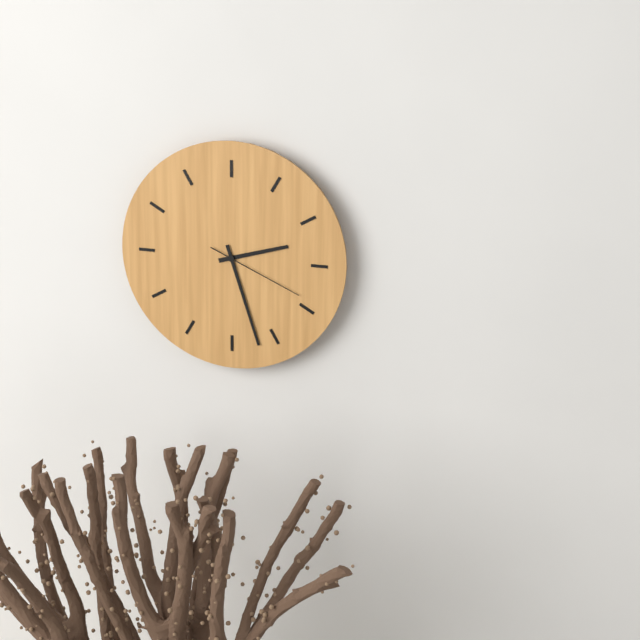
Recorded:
2.27.19
